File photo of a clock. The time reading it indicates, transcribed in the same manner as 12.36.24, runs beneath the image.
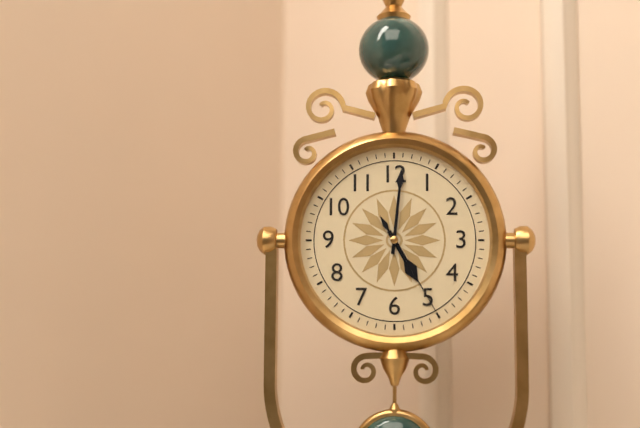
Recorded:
5.01.25
